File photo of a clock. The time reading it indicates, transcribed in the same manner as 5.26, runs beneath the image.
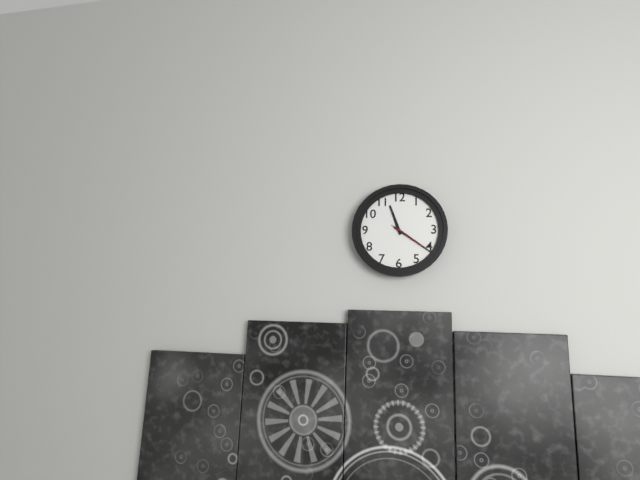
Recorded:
11.21
